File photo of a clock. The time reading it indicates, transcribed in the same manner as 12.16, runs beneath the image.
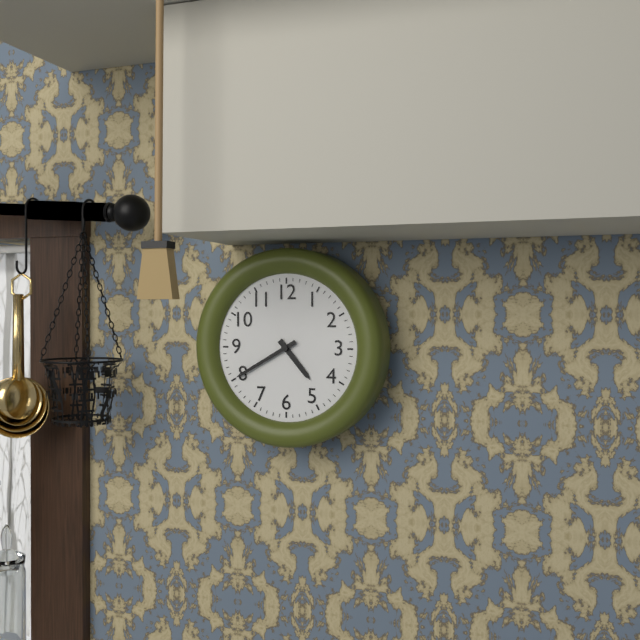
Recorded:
4.40
